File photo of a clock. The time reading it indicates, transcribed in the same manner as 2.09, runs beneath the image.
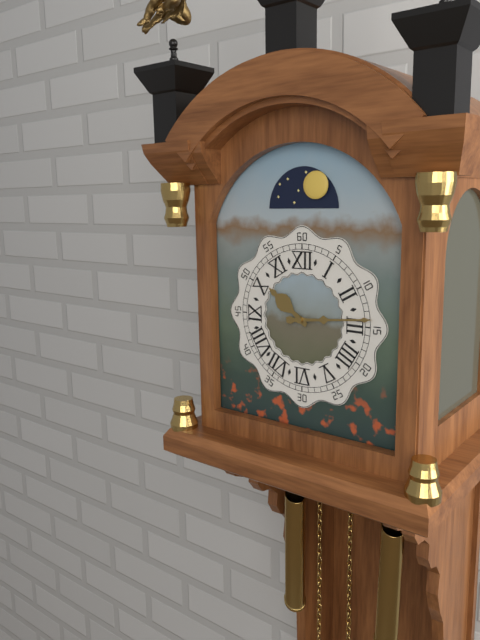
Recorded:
10.14
